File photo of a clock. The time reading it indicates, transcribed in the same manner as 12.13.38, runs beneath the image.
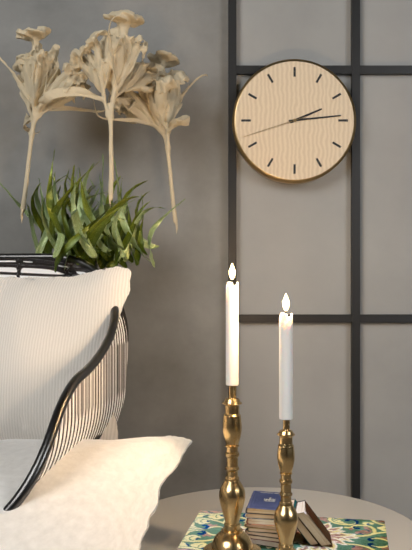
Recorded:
2.14.42
